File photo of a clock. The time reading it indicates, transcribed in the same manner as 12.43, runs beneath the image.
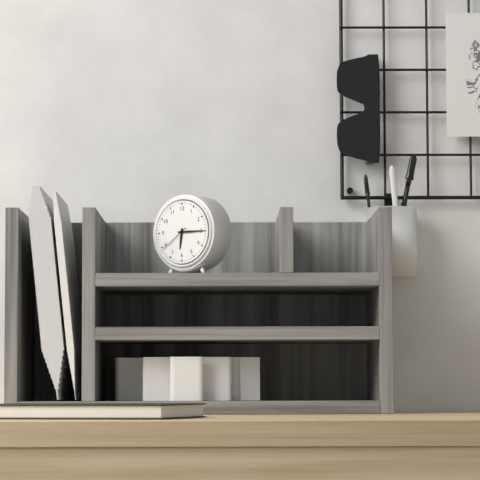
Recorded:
6.15
